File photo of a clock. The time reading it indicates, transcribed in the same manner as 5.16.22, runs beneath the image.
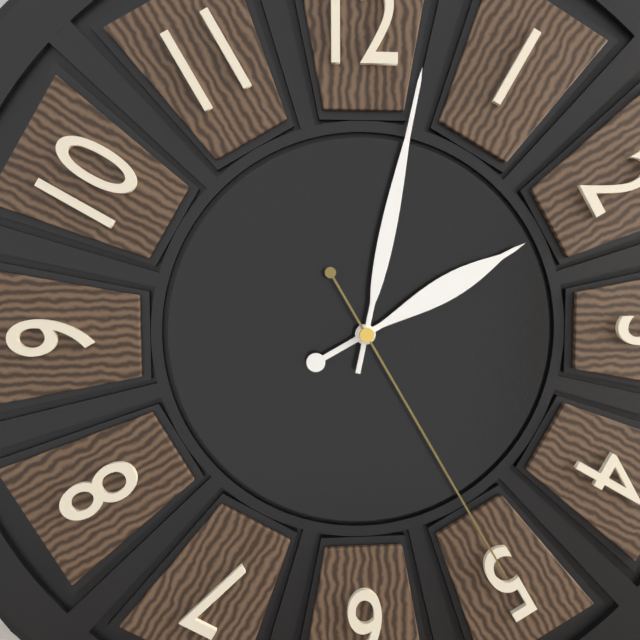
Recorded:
2.02.25
